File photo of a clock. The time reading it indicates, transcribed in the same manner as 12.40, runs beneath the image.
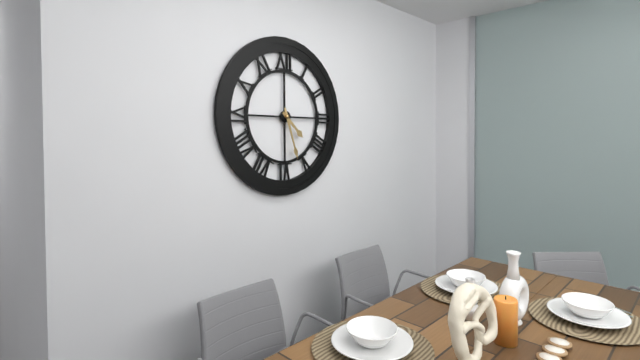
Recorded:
4.27
